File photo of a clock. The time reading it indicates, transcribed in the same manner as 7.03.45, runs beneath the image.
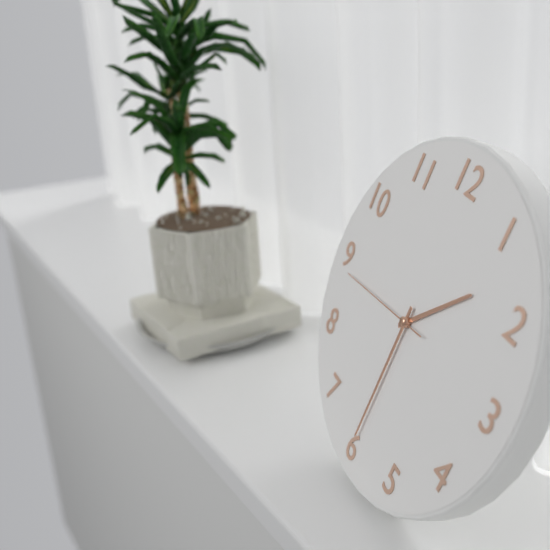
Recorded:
1.30.44
